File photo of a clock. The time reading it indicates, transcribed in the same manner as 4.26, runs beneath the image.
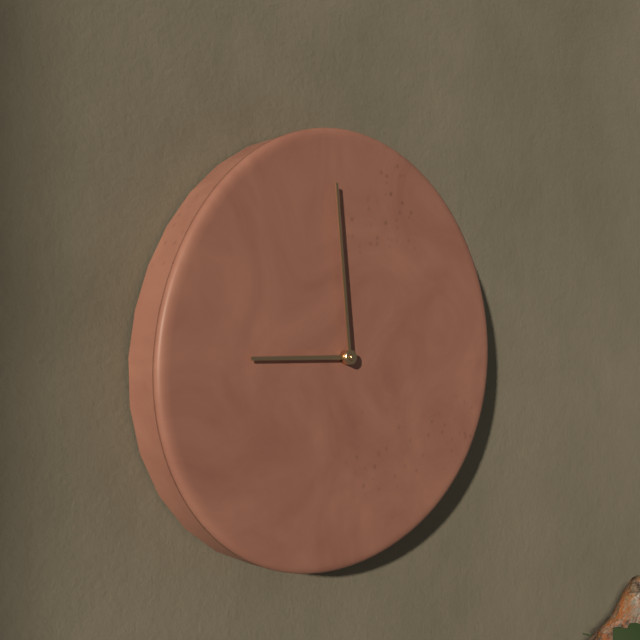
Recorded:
8.59
